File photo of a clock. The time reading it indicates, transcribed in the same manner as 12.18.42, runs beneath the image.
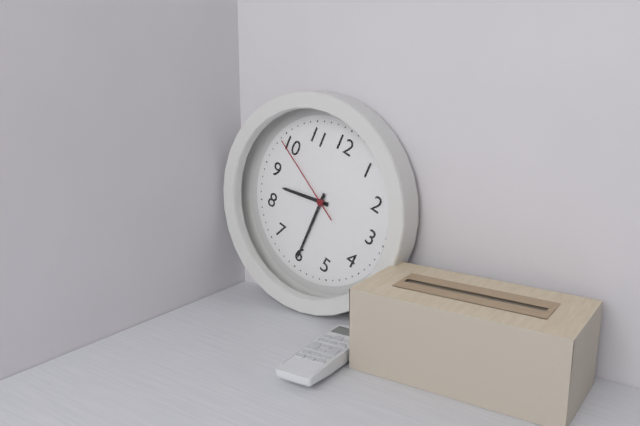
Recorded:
8.30.49
